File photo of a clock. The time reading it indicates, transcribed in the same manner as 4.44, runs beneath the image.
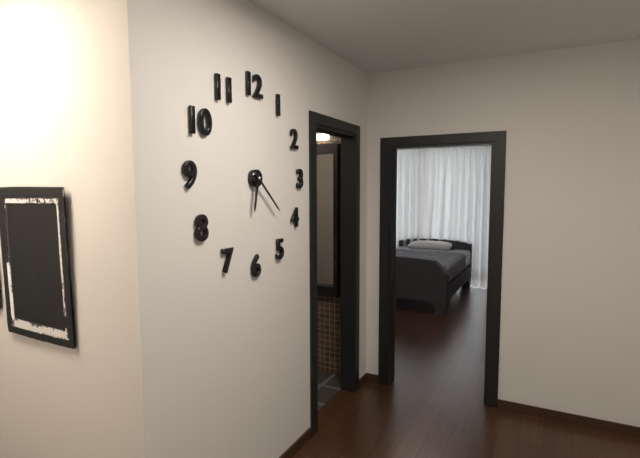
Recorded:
6.22
